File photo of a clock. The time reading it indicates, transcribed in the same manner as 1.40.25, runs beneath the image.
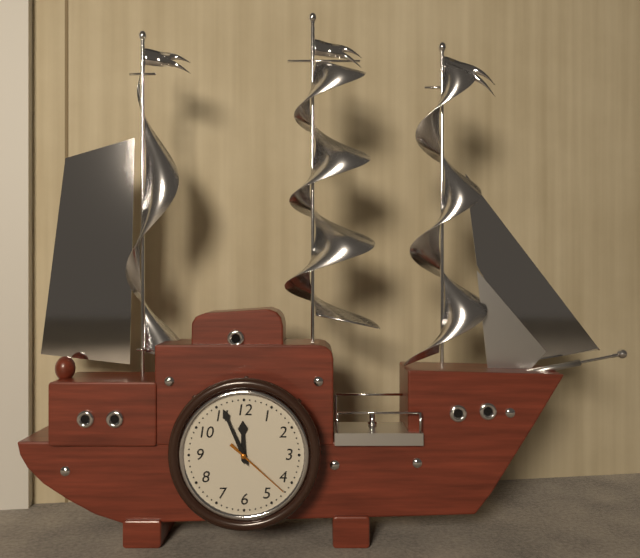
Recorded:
11.56.22
